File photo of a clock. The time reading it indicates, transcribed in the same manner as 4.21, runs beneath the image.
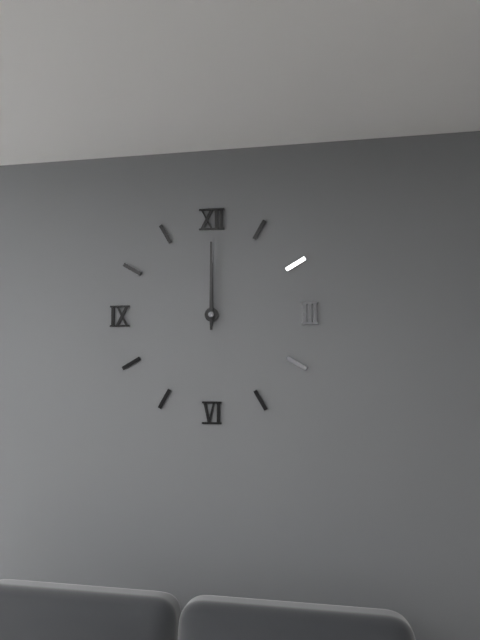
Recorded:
12.00
